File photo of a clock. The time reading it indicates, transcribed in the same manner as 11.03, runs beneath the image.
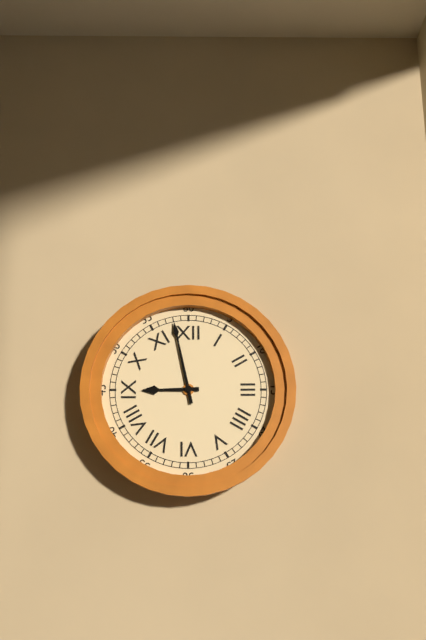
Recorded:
8.58
